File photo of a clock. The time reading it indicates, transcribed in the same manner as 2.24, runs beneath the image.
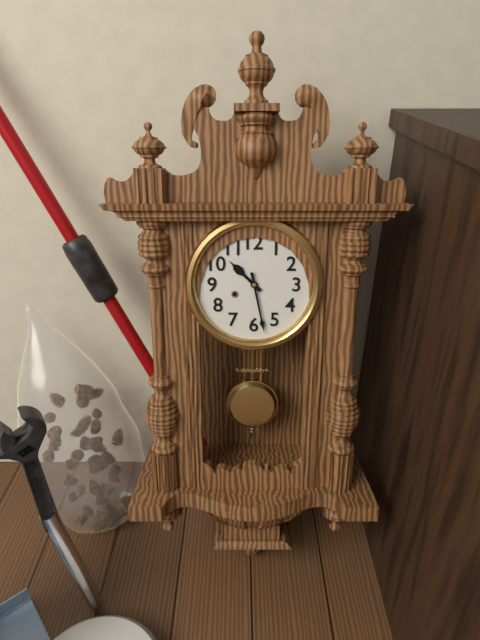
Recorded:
10.28
